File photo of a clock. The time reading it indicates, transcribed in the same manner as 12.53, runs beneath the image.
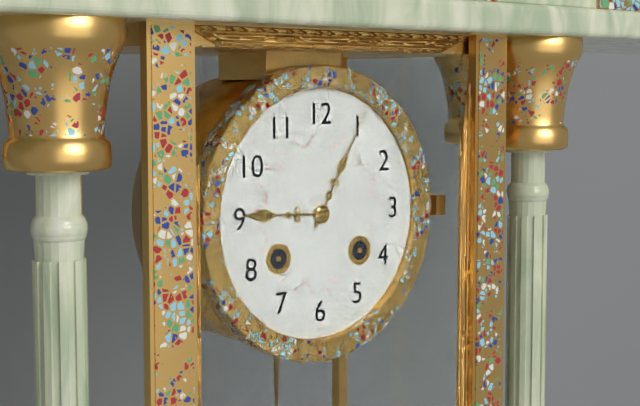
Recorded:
9.05
